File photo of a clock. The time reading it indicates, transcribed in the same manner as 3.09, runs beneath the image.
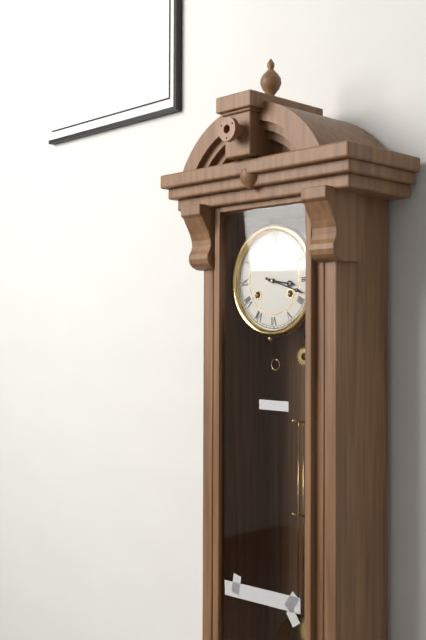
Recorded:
3.18
